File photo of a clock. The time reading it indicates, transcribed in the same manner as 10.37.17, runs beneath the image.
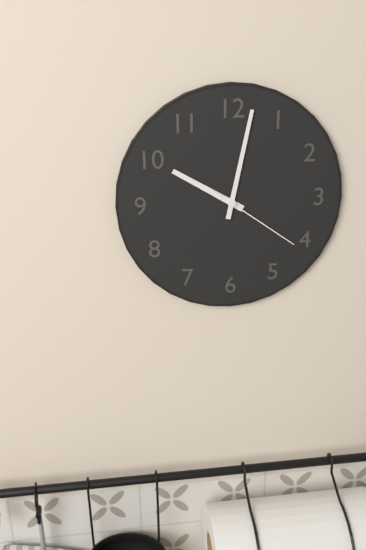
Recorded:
10.02.21
